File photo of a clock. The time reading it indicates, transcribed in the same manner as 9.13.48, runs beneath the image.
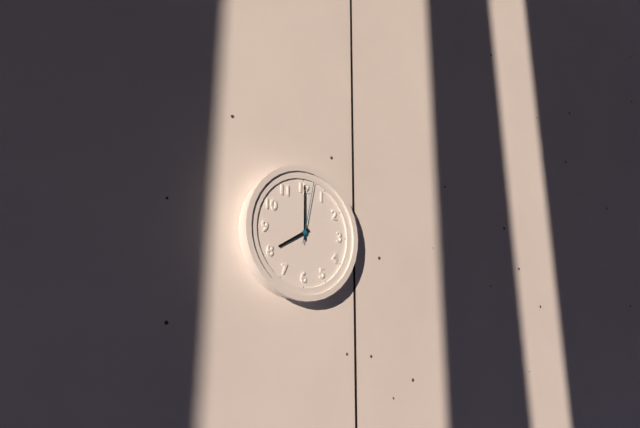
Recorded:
8.00.02
